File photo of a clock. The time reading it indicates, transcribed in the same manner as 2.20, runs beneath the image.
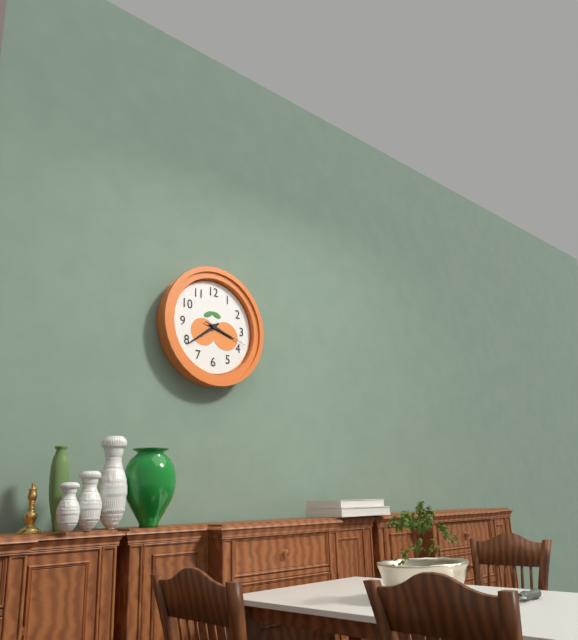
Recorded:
3.39
